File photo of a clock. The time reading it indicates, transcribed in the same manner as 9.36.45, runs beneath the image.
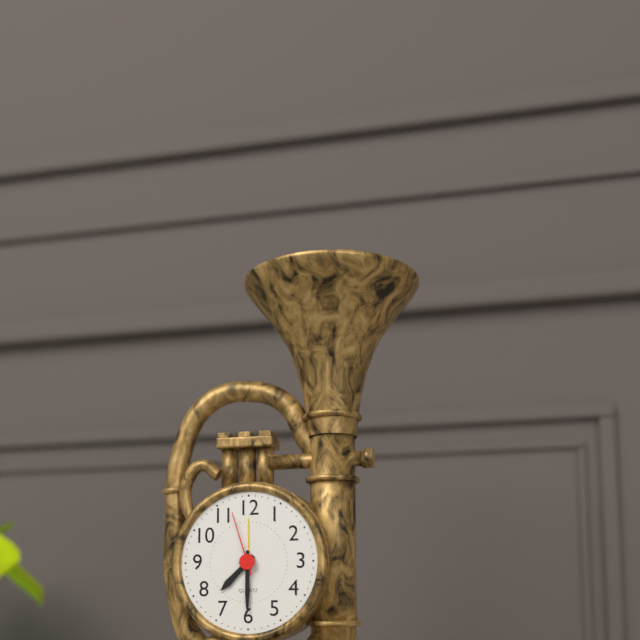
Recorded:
7.30.57
